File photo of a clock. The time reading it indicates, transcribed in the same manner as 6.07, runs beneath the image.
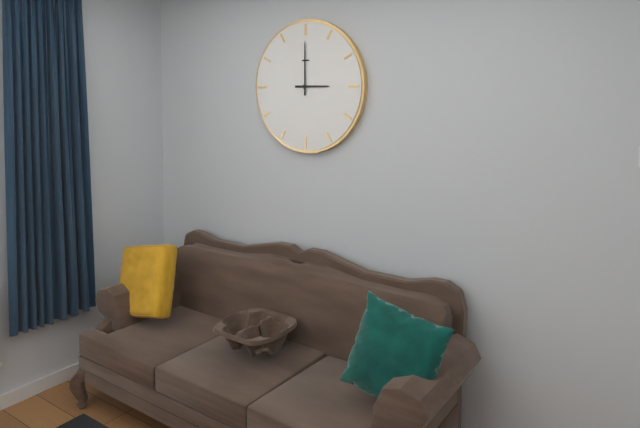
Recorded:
3.00
